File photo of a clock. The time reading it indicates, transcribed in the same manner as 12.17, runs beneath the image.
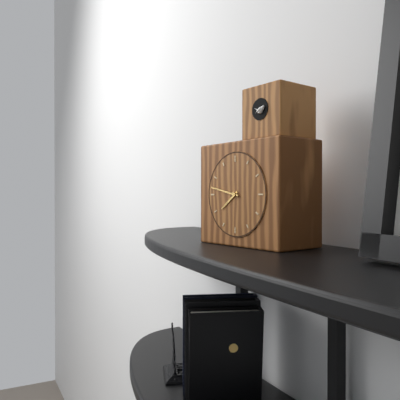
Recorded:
7.47
